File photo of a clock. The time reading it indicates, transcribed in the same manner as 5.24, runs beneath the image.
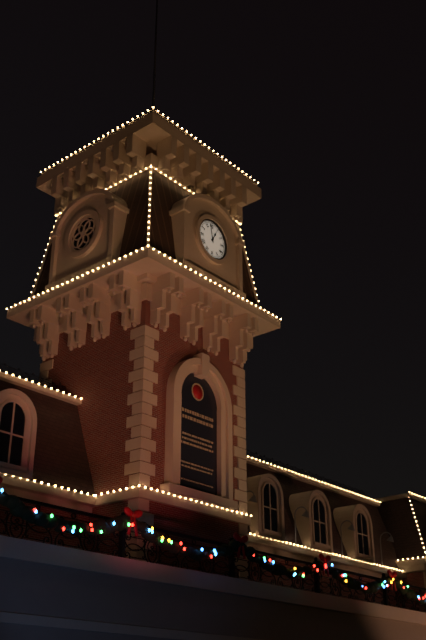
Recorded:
12.58
